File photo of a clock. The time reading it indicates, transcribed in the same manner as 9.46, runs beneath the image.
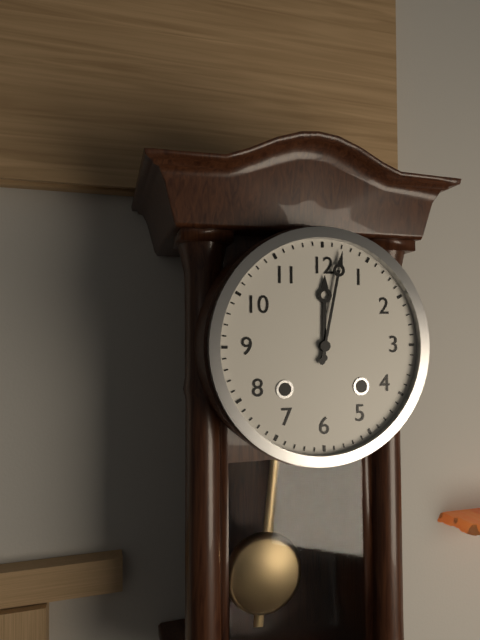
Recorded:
12.02
